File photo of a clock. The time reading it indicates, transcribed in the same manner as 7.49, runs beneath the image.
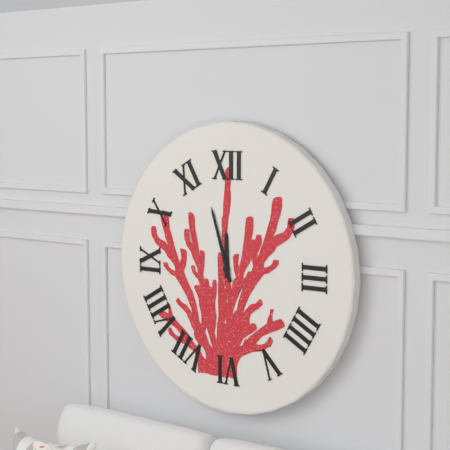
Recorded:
11.57
